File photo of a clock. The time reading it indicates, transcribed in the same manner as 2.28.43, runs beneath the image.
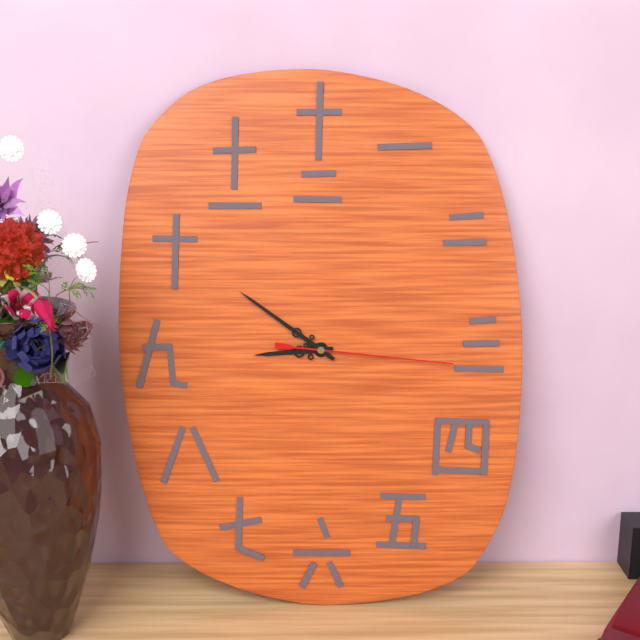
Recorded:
8.51.16
